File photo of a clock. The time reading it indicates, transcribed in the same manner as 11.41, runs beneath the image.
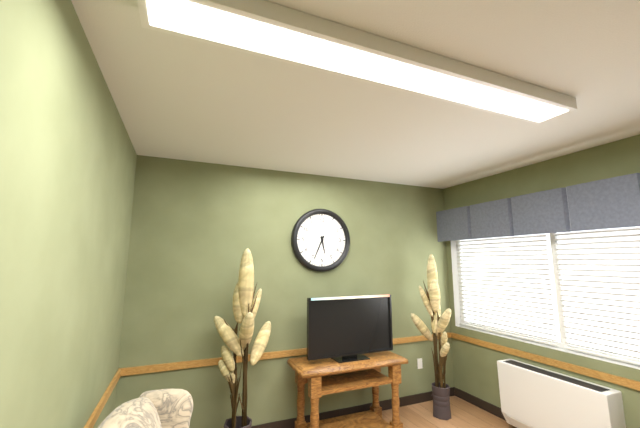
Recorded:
5.34
